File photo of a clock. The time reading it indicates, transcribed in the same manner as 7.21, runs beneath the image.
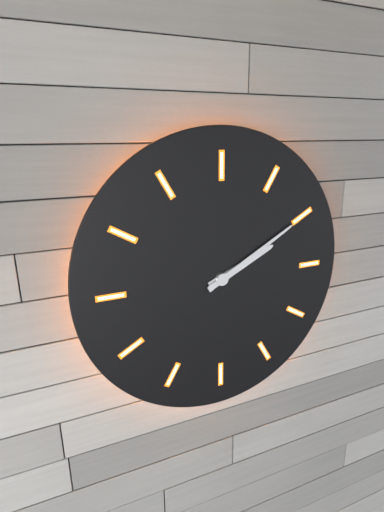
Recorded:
2.10
